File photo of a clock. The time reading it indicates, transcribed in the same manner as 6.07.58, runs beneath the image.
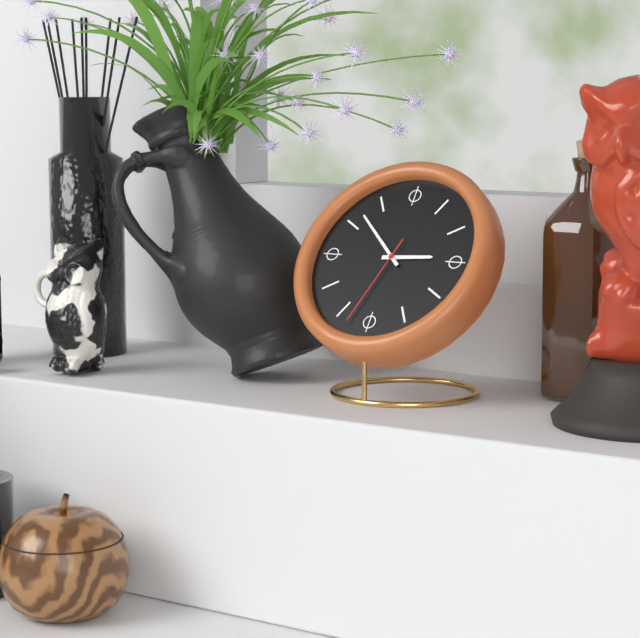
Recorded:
2.52.33
